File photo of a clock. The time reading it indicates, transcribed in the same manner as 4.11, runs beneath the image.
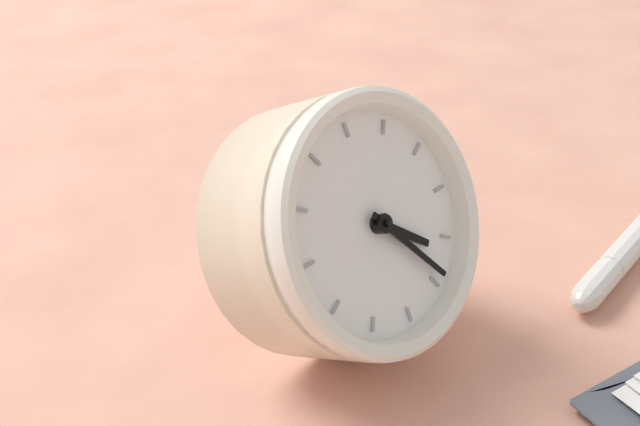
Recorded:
3.19
